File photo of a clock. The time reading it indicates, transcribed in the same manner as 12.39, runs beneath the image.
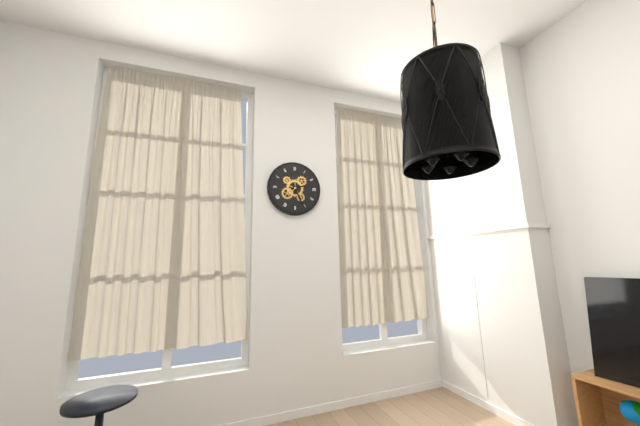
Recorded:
2.26
